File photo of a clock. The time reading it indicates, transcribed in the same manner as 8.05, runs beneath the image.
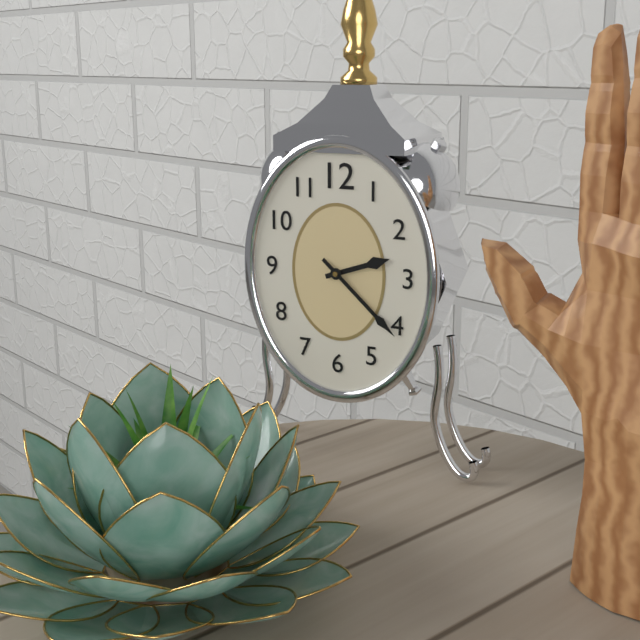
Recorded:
2.22
